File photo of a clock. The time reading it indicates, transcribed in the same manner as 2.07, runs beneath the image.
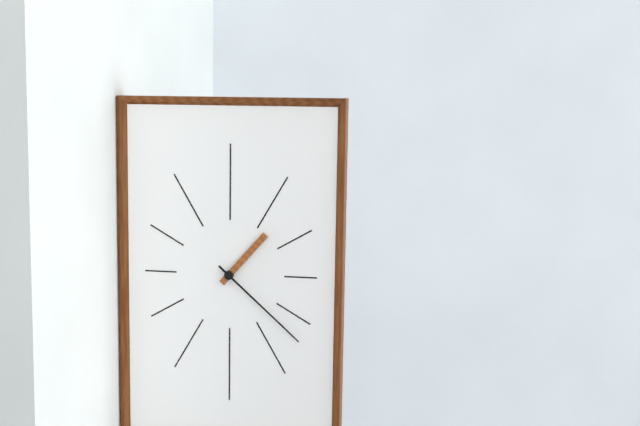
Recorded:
1.22
